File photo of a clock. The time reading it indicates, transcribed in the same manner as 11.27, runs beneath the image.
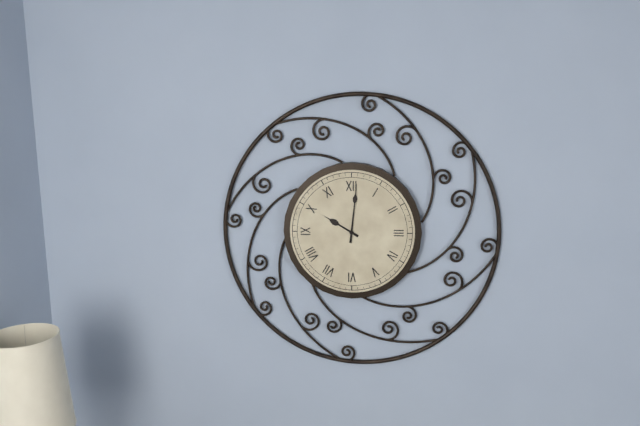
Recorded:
10.01
